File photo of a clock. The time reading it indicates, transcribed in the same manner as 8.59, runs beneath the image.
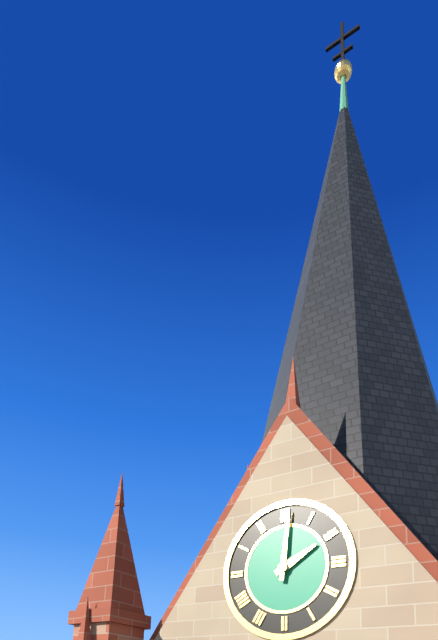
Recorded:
2.01
